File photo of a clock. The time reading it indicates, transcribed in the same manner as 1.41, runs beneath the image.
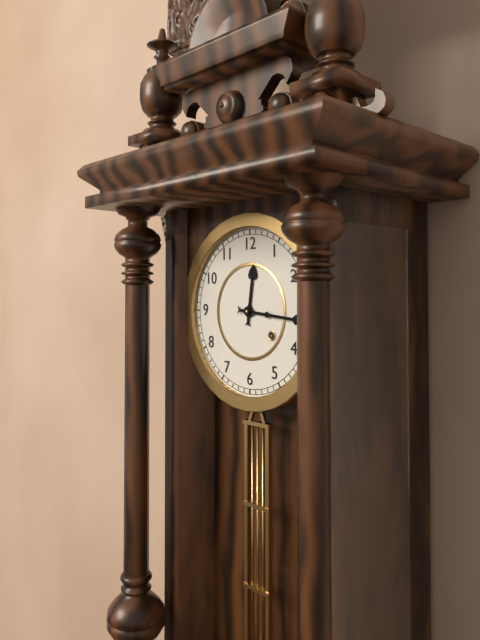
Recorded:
12.16
